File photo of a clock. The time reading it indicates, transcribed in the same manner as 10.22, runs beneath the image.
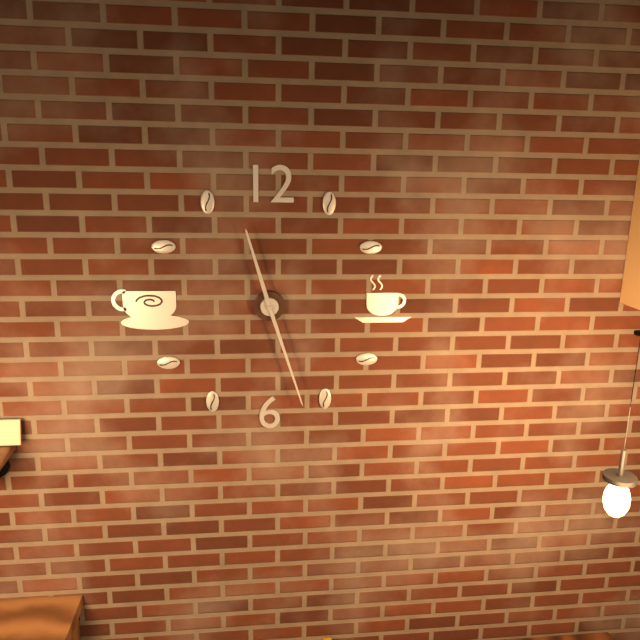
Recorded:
11.27
